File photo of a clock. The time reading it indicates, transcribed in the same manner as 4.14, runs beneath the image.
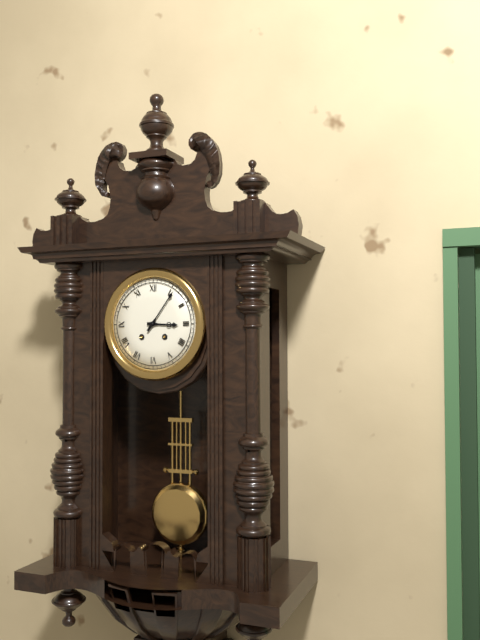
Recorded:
3.06
